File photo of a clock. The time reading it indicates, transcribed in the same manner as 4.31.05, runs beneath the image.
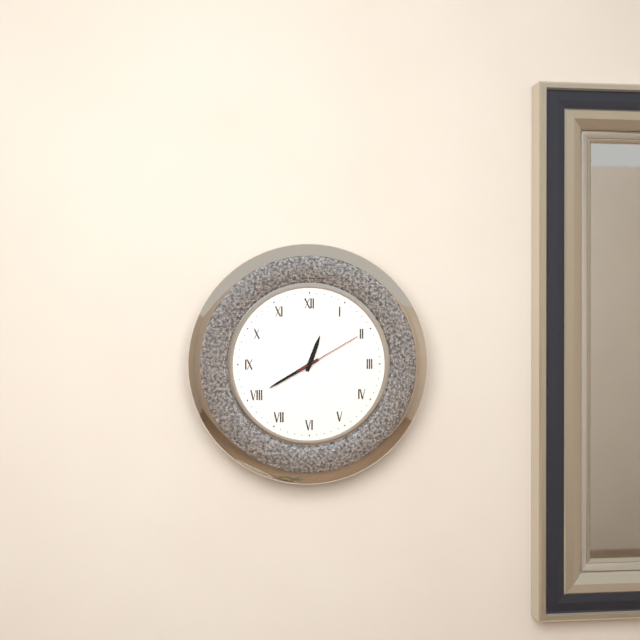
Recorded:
12.40.10
